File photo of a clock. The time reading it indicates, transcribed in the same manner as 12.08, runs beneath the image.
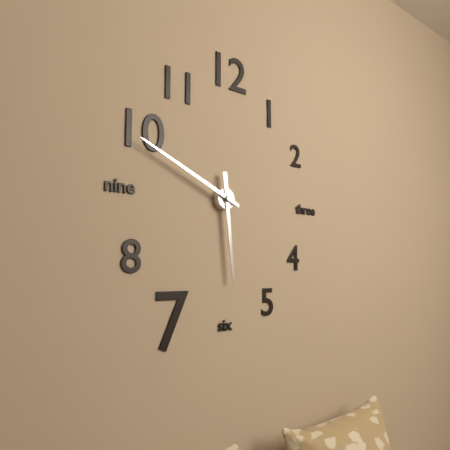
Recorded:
5.49
